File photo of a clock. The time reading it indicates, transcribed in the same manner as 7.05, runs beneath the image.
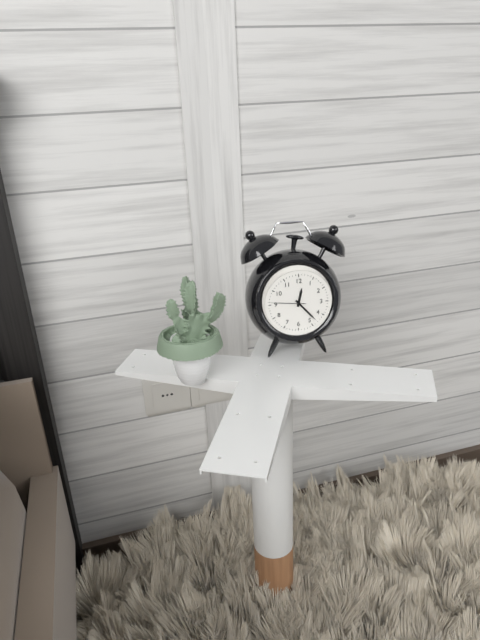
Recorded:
12.23
